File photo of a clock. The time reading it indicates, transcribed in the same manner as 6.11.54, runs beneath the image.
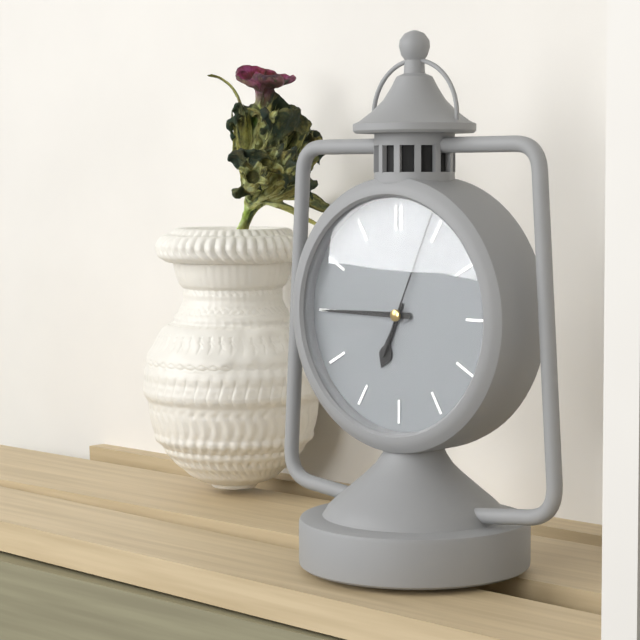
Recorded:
6.45.04
